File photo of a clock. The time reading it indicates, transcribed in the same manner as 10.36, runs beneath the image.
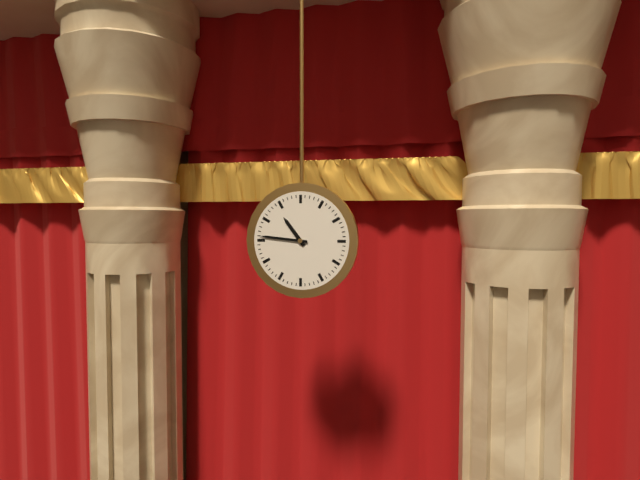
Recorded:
10.46
